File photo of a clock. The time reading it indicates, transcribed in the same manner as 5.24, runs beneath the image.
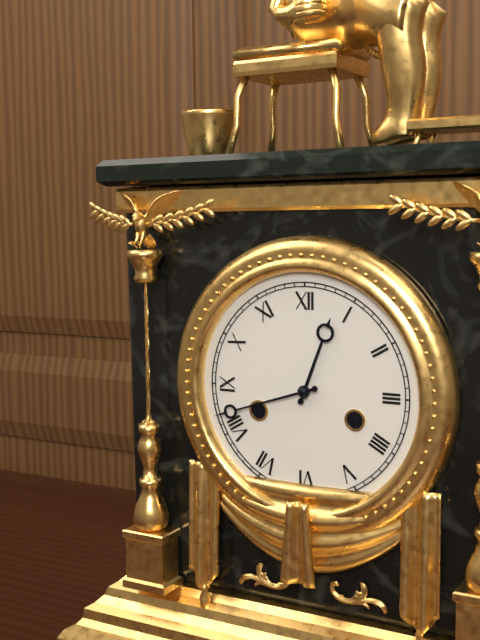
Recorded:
12.42
